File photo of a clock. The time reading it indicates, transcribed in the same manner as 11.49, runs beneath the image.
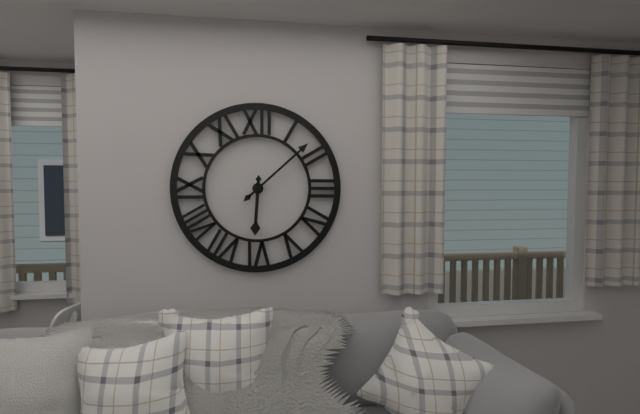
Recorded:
6.08
